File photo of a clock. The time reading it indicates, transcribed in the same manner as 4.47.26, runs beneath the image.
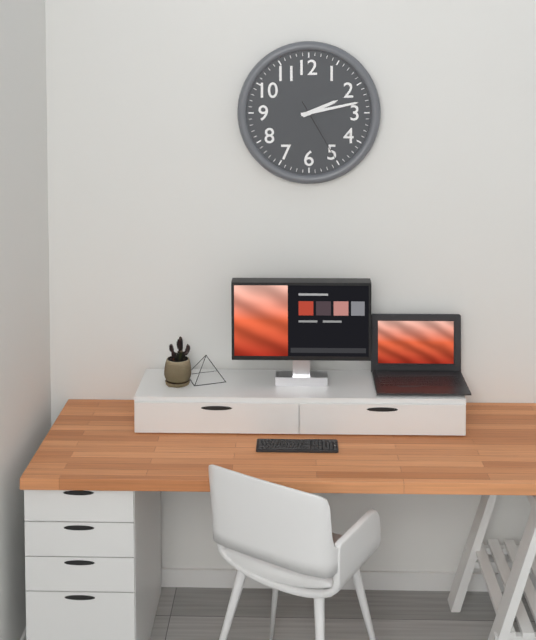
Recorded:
2.13.25
